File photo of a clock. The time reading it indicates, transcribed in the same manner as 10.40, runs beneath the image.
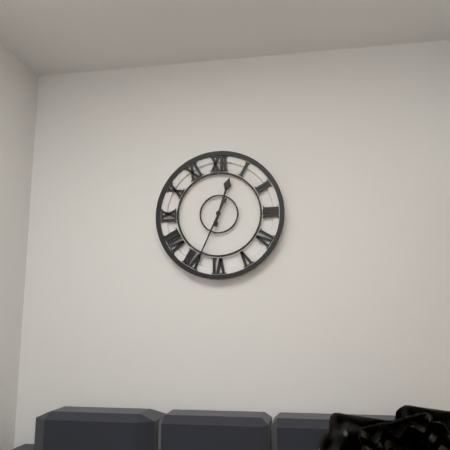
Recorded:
12.34
